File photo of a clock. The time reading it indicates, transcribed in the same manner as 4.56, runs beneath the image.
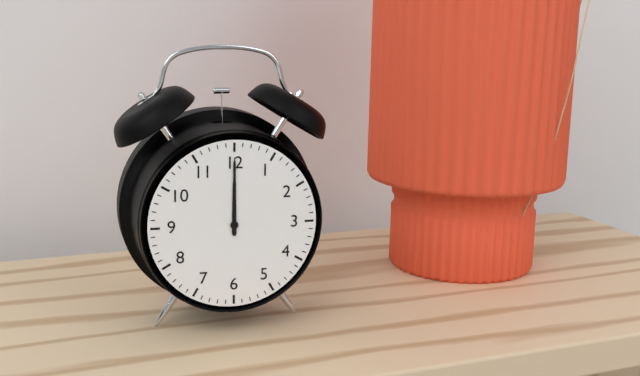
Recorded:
12.00
